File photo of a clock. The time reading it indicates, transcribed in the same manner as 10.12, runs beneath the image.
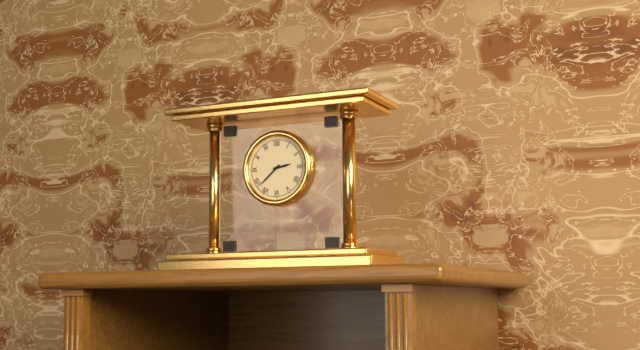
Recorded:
2.38
